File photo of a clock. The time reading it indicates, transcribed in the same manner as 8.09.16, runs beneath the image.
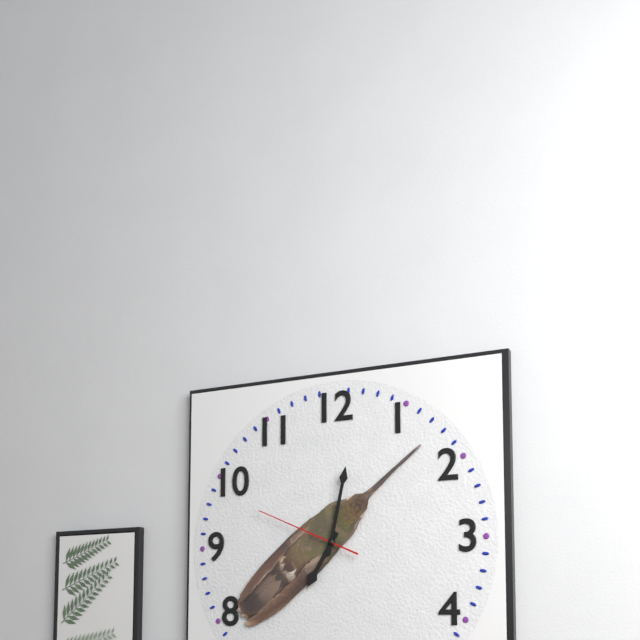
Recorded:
7.02.49
